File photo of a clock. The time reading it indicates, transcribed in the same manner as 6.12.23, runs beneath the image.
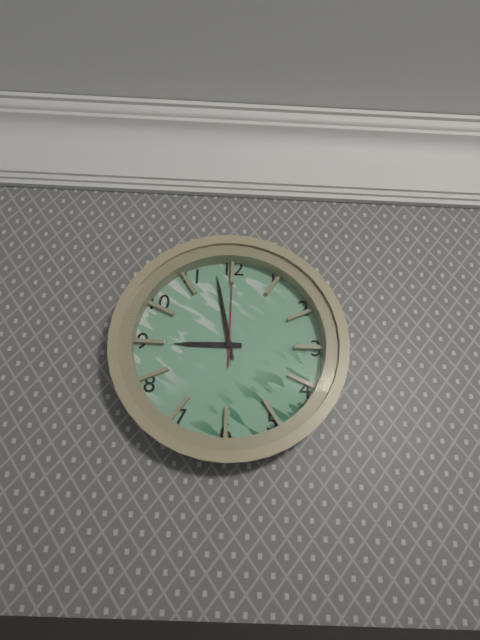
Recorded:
8.58.00
